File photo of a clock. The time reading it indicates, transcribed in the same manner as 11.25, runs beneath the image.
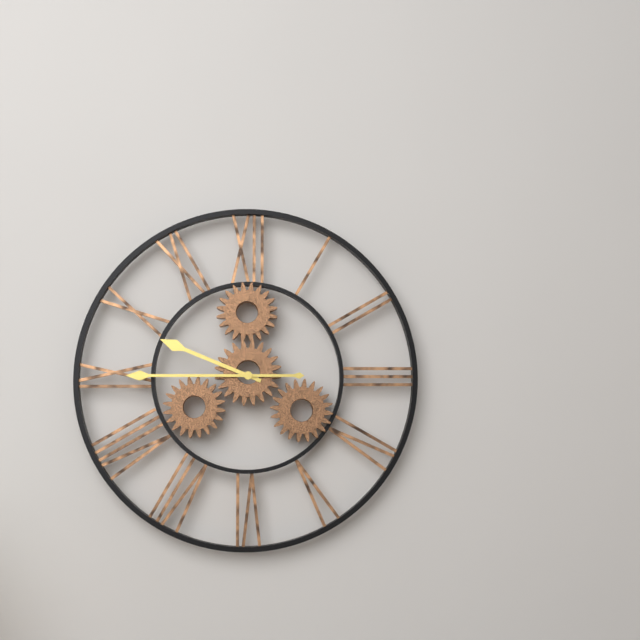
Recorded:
9.45
